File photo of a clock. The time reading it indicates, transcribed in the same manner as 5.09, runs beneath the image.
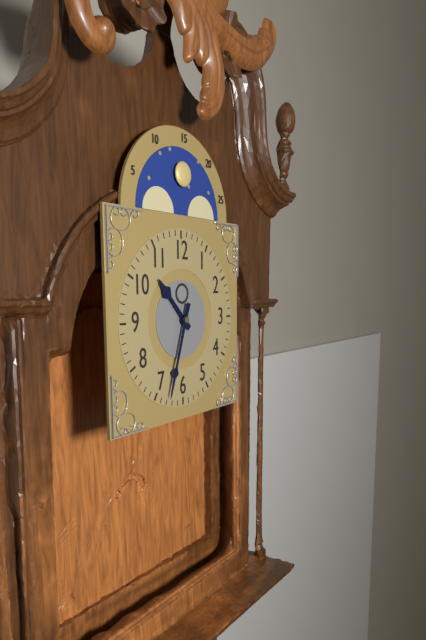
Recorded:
10.33
